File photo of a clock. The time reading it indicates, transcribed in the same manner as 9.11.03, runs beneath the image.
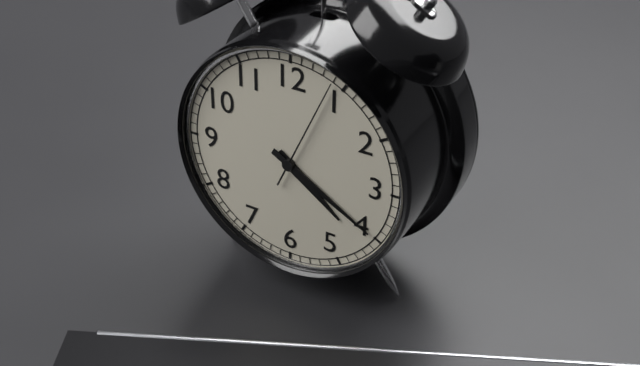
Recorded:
4.20.04
